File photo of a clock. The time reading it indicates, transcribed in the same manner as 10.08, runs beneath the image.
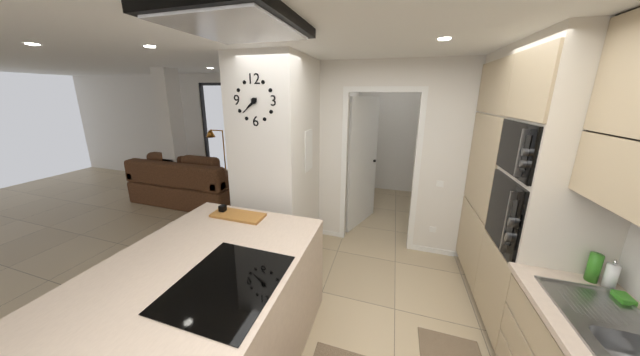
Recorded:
7.38
